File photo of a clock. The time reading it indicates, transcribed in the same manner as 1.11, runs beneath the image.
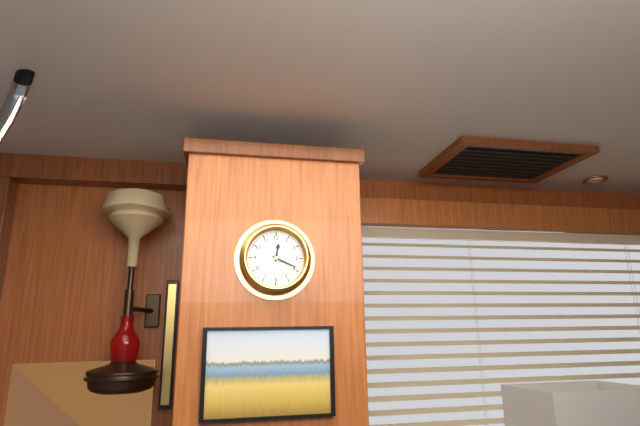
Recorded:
12.19
